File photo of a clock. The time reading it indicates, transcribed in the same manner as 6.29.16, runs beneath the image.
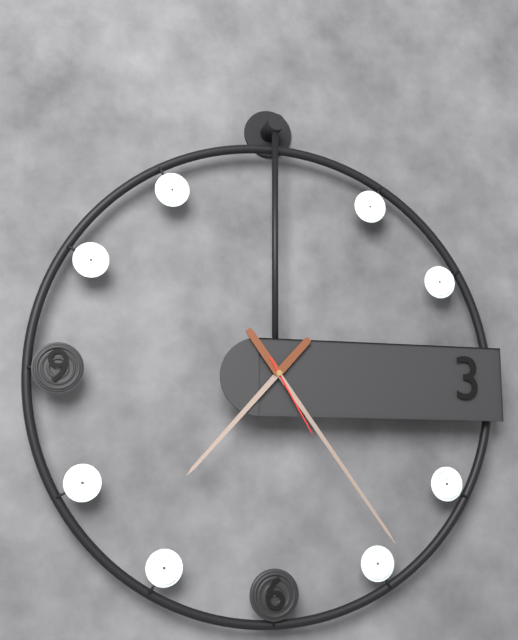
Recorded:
7.24.25
